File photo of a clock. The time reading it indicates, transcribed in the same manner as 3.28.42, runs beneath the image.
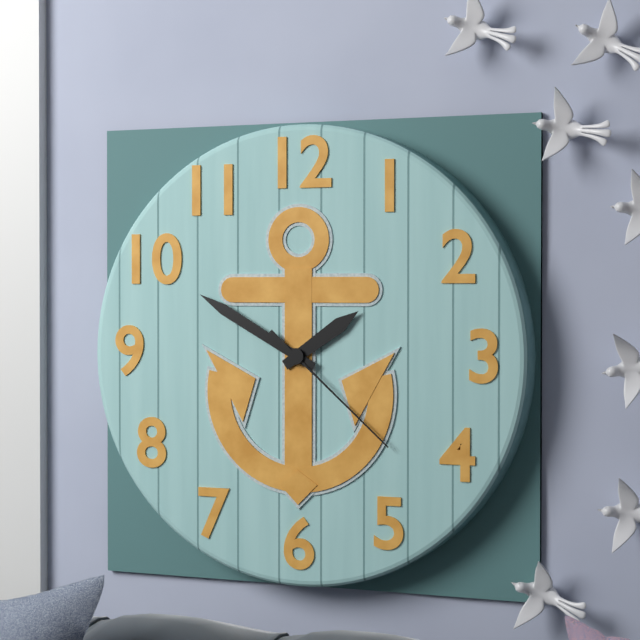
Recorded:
1.50.22
